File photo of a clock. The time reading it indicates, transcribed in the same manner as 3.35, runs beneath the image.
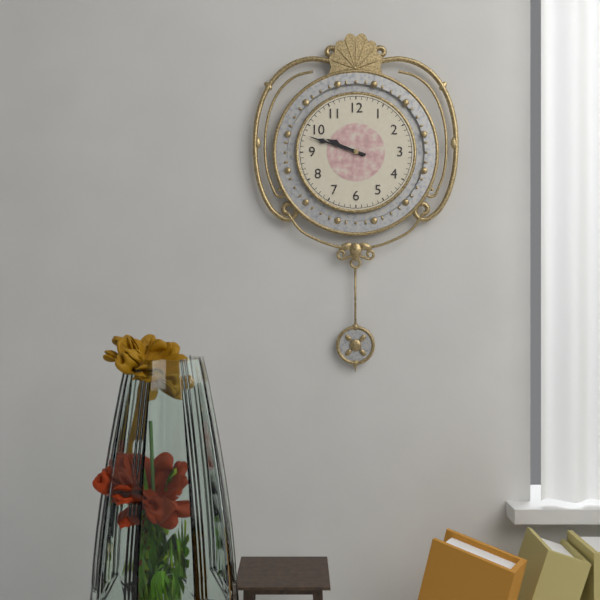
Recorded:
9.48
